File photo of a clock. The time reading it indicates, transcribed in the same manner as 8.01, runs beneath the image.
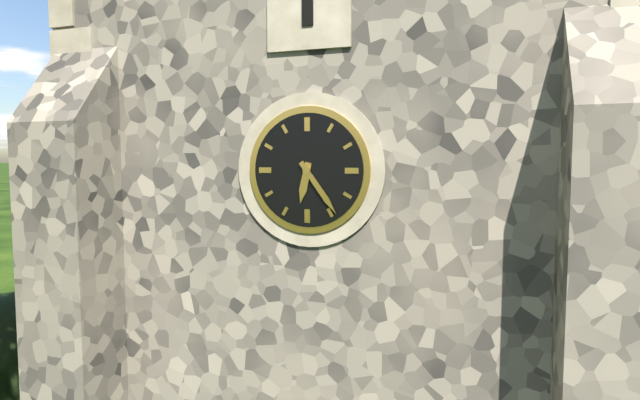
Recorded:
6.24
